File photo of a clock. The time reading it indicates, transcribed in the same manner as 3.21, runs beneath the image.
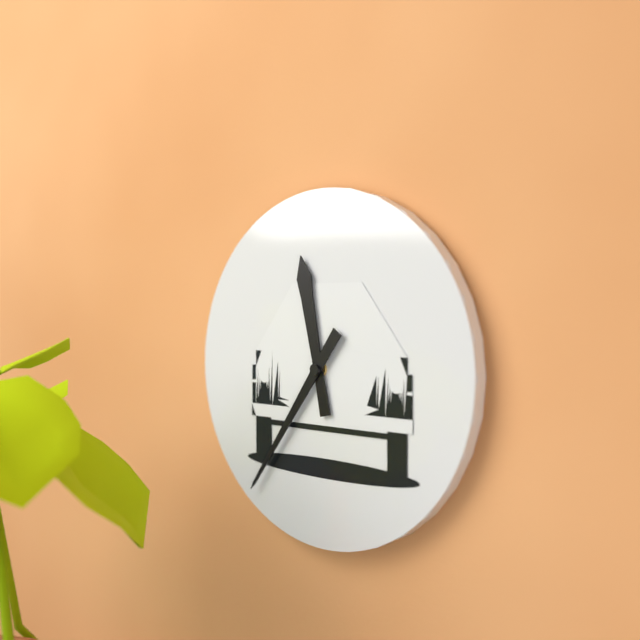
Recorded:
11.36
